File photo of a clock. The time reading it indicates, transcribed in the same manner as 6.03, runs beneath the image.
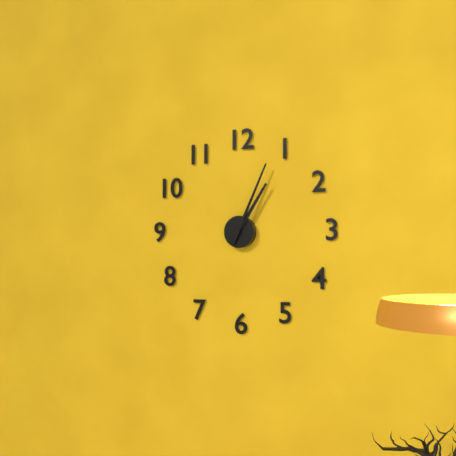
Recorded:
1.04
